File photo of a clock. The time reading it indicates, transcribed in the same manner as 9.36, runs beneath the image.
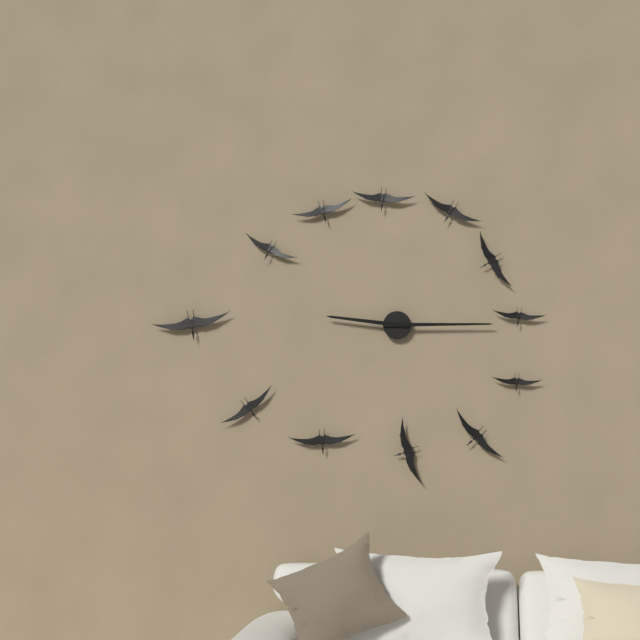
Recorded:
9.15
